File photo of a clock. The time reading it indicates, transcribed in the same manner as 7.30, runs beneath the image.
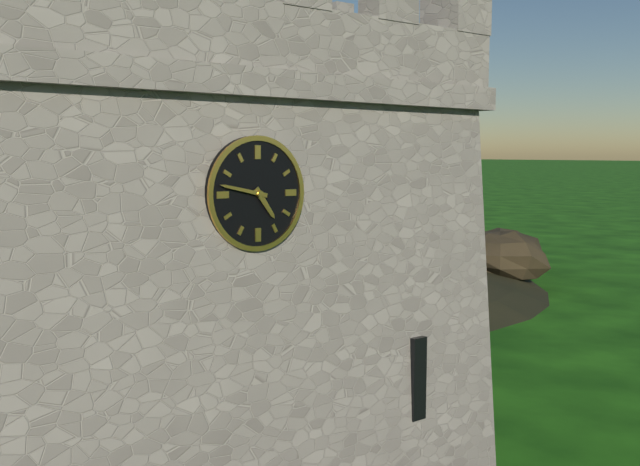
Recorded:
4.47
